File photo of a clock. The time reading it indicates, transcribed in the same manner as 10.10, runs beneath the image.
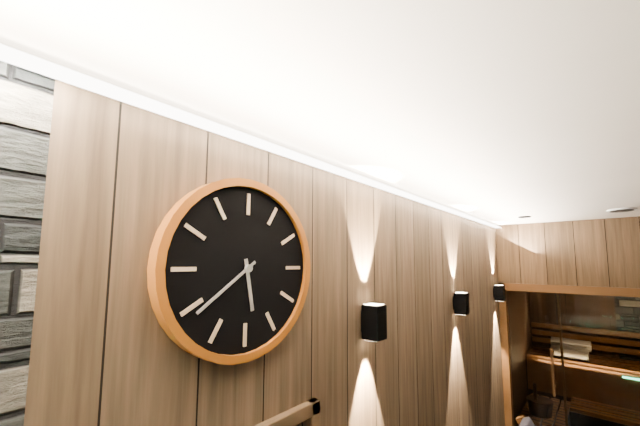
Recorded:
5.39
